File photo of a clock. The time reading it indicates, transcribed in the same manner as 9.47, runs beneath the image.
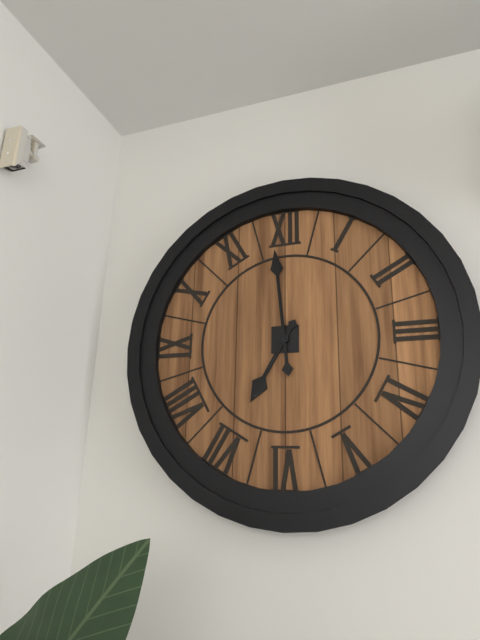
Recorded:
6.59
